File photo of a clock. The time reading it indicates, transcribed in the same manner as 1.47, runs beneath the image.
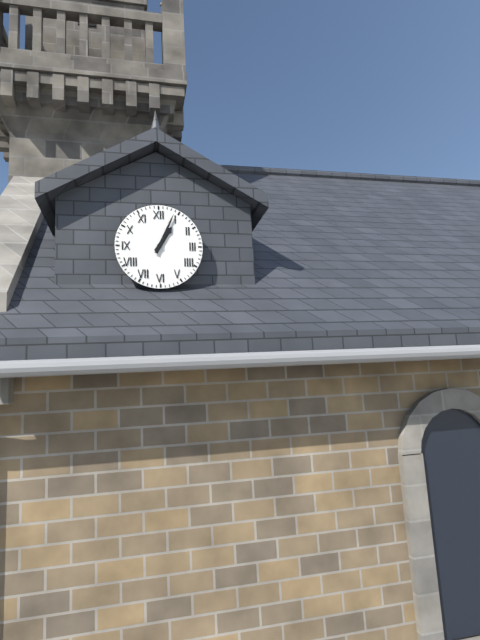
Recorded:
1.04
